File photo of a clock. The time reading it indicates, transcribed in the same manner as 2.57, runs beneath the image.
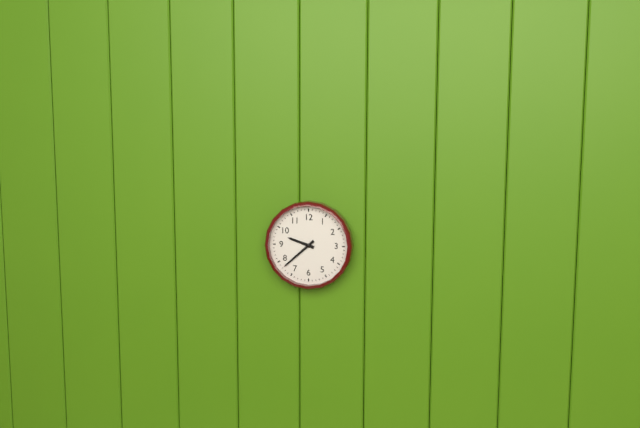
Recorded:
9.38
